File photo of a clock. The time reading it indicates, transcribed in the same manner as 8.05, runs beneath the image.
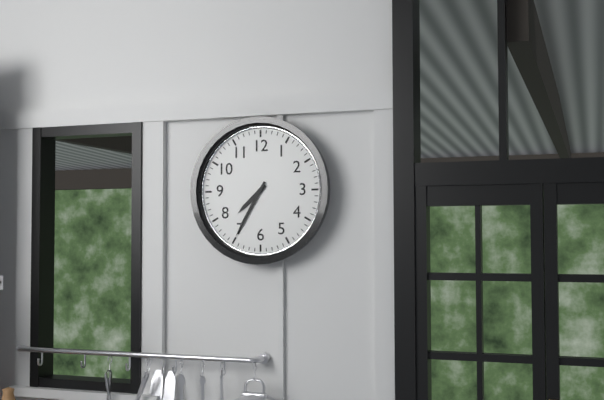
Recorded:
7.35
